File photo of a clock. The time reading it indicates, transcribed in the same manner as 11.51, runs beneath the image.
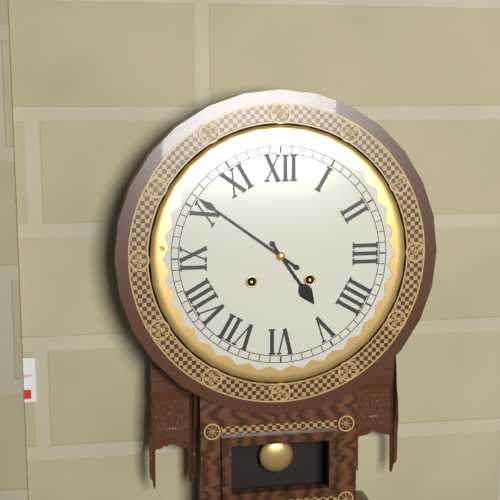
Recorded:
4.51
